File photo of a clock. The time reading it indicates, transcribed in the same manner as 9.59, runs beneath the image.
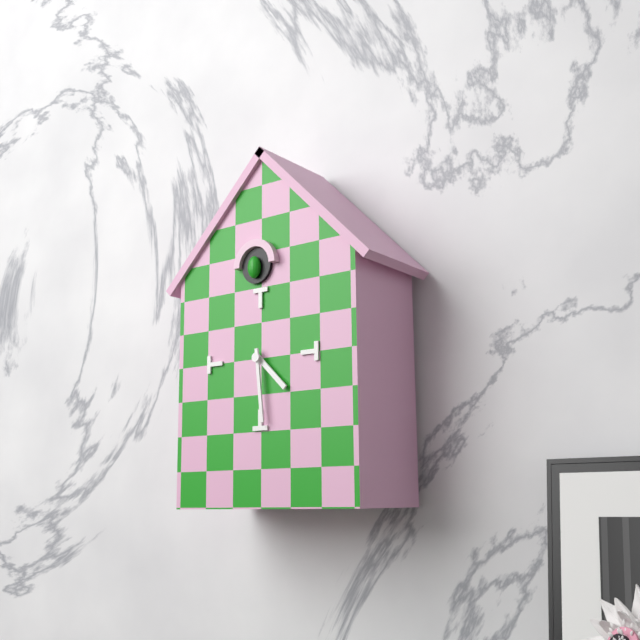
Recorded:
4.29
